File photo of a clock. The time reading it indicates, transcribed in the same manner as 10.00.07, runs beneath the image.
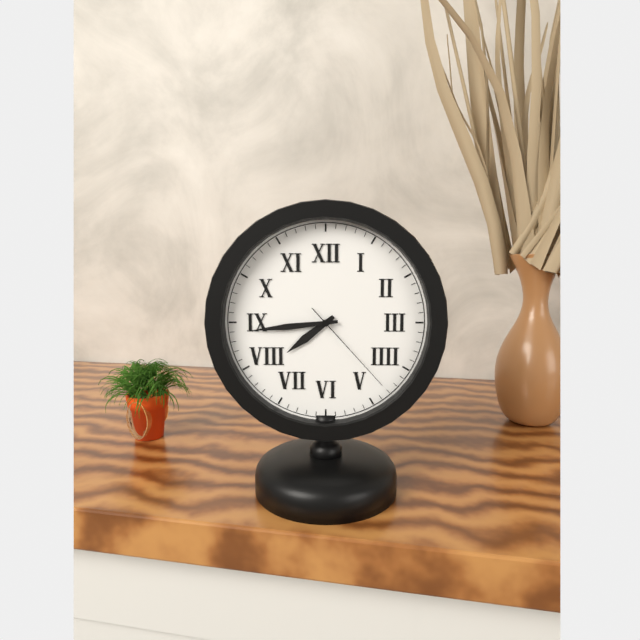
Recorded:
7.44.23
